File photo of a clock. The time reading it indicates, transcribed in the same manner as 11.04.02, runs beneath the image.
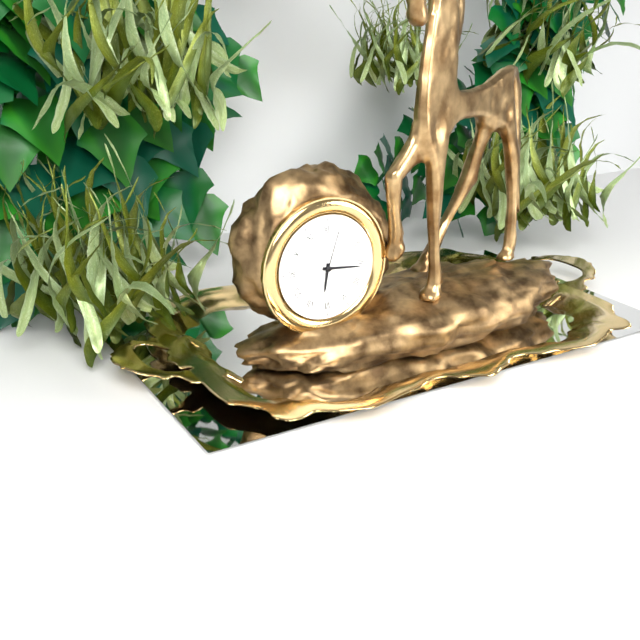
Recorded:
6.16.03
